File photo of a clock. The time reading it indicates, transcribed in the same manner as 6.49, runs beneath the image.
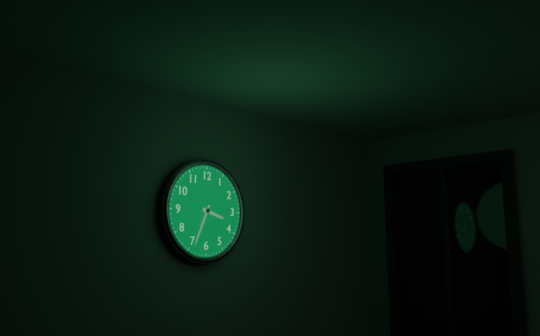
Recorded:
3.34
